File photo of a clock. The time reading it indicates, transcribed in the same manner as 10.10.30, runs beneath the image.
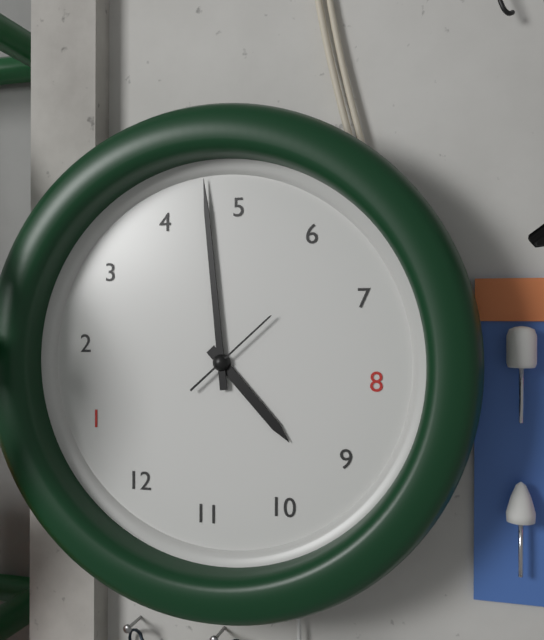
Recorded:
9.23.32
